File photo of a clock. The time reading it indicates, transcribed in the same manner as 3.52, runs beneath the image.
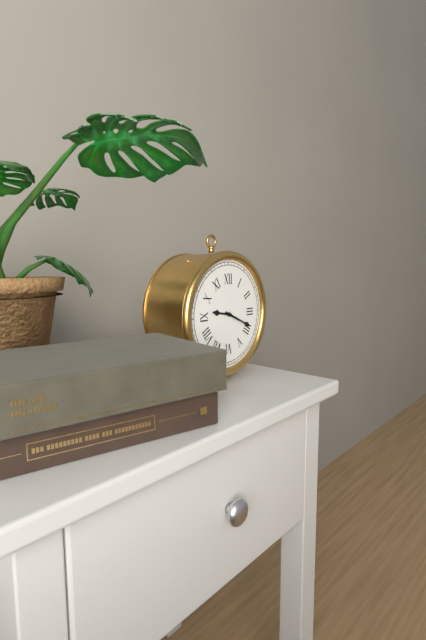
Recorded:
9.19
